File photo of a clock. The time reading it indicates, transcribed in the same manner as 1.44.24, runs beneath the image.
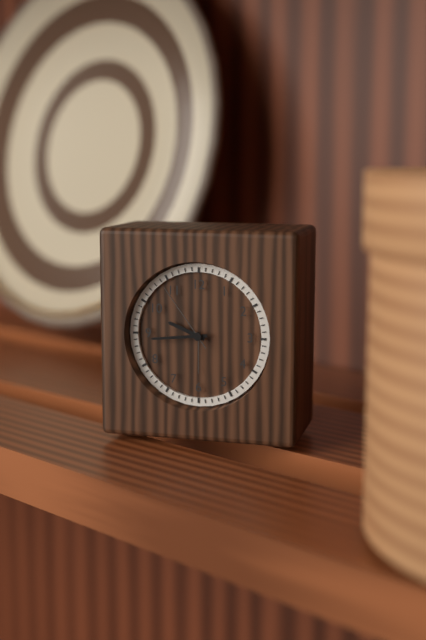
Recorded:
9.44.54
